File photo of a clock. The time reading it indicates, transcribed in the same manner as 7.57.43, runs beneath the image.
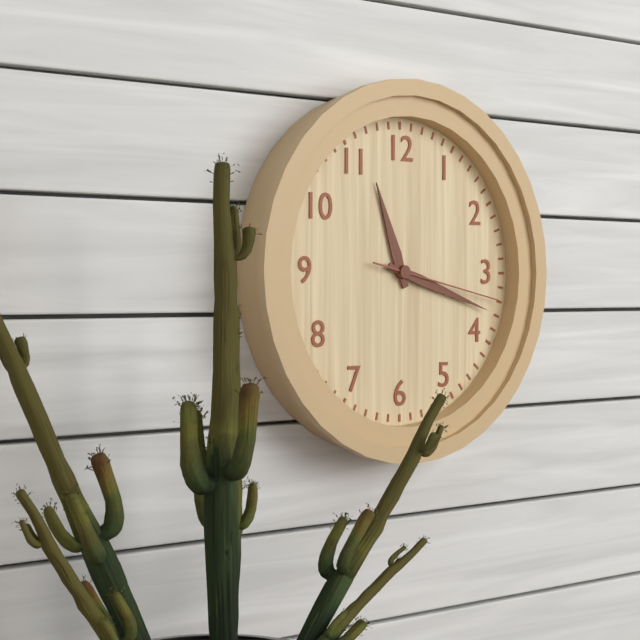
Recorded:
11.18.17
